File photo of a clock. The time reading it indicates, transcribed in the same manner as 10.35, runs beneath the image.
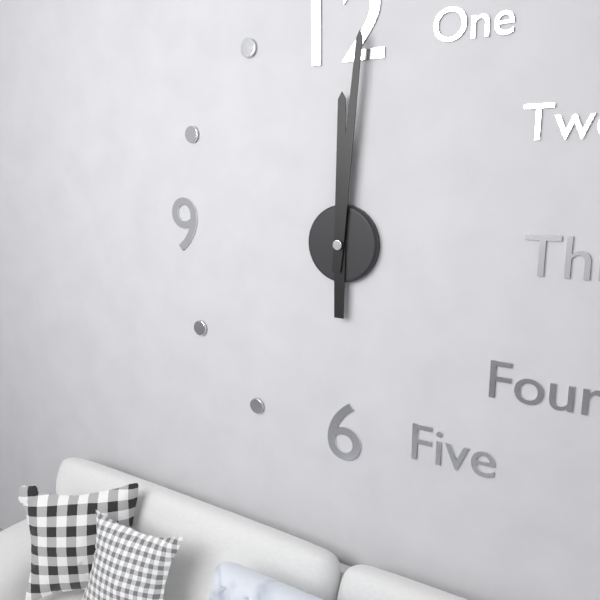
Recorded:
12.01
